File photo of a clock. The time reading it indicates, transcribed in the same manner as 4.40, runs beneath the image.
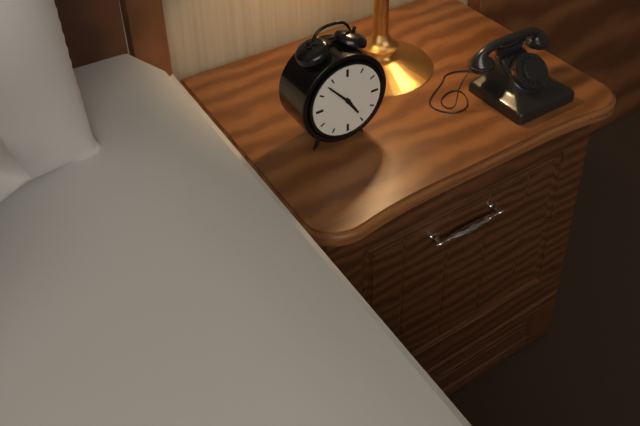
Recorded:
4.53
